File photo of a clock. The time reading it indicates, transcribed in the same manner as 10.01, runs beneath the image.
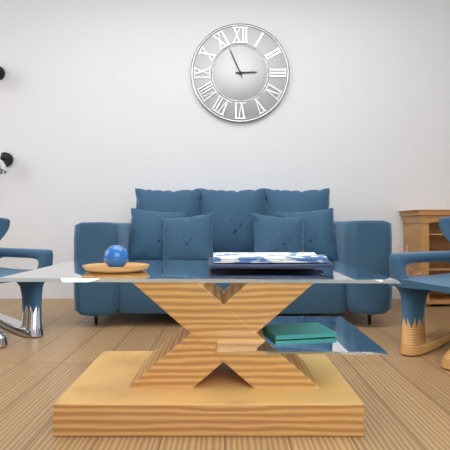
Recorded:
2.56
